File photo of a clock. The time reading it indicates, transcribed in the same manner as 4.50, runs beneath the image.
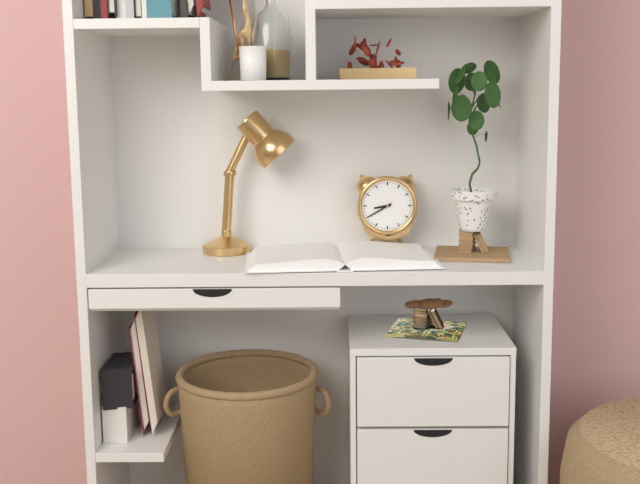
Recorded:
8.40
